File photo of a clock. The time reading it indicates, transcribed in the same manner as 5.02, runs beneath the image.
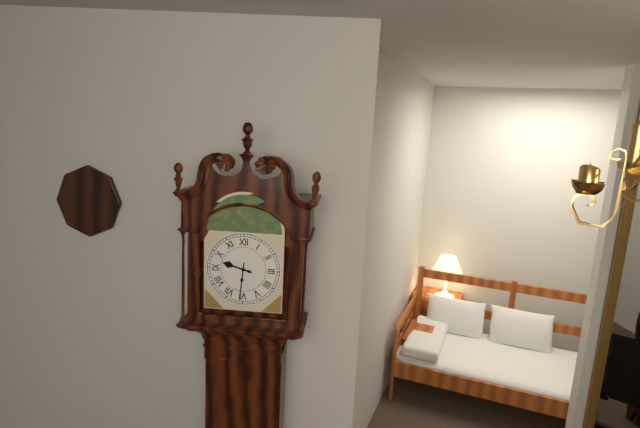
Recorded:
9.31
